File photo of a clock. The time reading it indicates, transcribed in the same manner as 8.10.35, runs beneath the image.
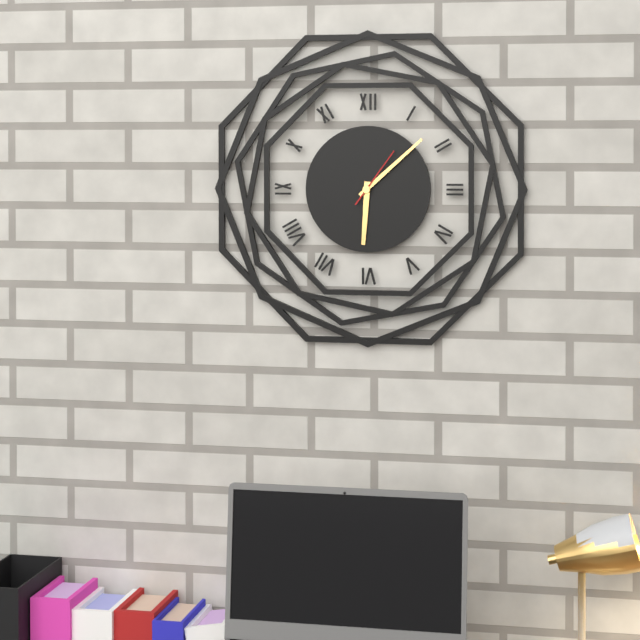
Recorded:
6.08.06
